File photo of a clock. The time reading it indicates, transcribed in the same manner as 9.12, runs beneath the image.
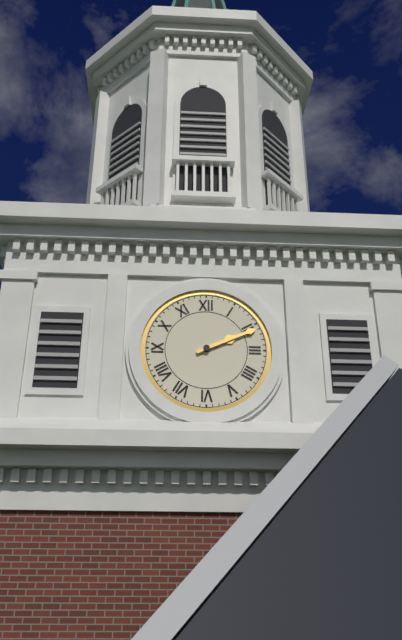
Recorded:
2.11
